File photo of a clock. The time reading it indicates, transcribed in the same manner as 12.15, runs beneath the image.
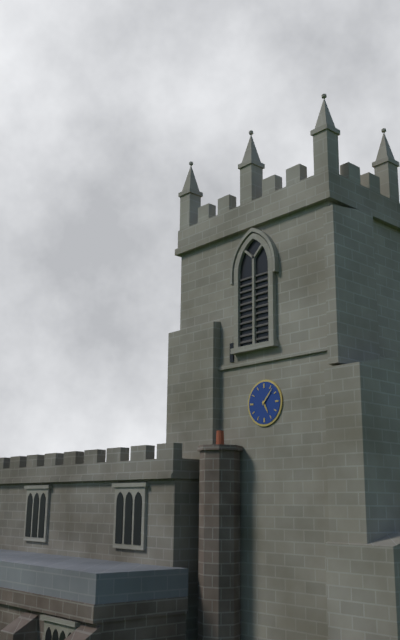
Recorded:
5.07
